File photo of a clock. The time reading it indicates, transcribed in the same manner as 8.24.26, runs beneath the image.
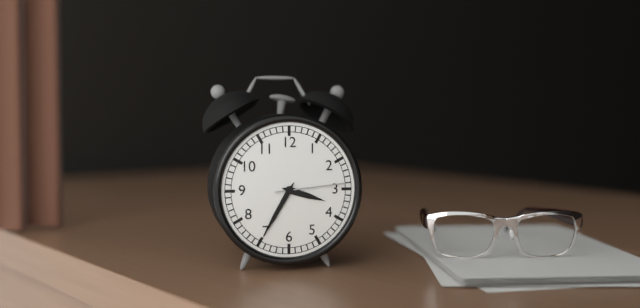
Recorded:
3.35.14
